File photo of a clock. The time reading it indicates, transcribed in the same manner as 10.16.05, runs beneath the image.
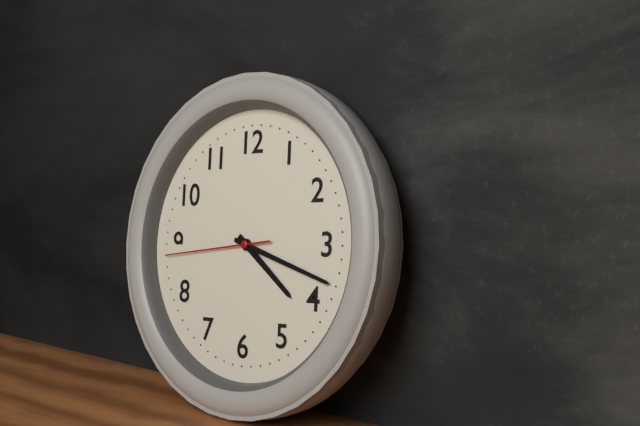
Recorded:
4.18.44
